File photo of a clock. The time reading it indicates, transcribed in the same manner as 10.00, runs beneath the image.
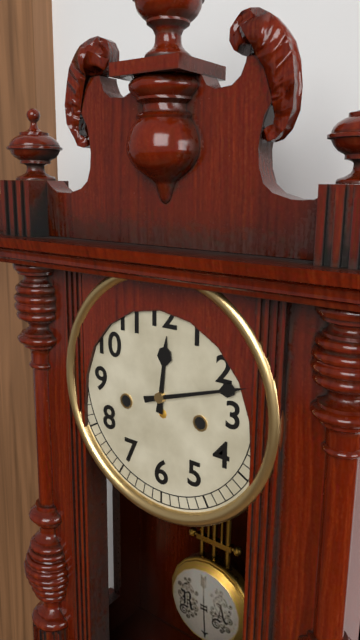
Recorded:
12.12
